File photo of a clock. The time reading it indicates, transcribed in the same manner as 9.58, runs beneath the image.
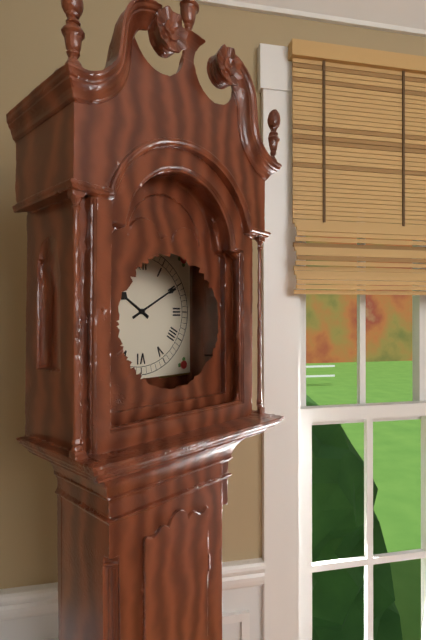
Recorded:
10.10
